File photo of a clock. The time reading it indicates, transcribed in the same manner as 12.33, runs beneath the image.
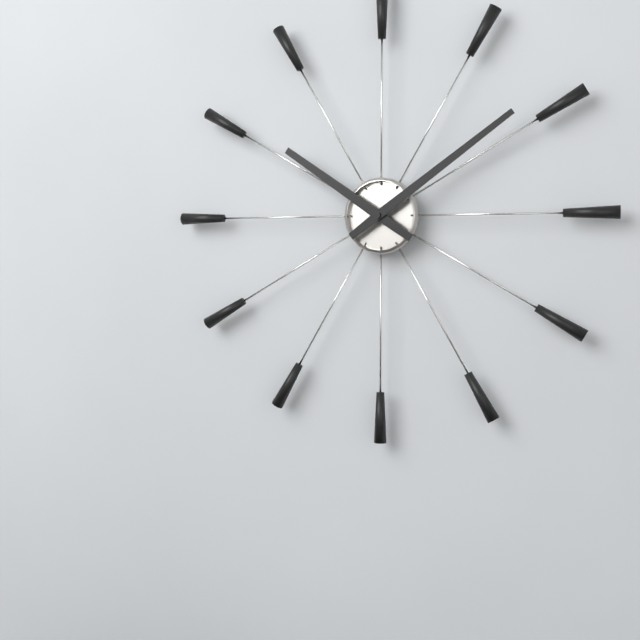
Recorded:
10.09
